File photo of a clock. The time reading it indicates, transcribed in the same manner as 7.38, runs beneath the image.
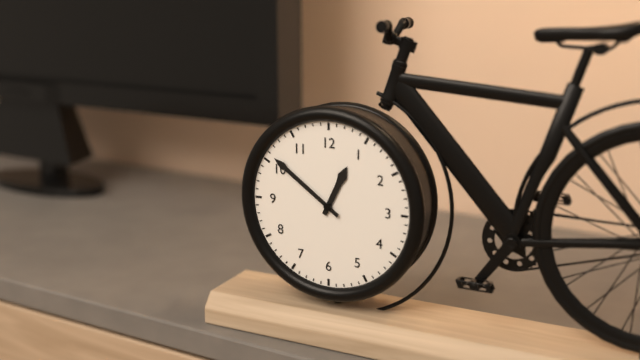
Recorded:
12.51
